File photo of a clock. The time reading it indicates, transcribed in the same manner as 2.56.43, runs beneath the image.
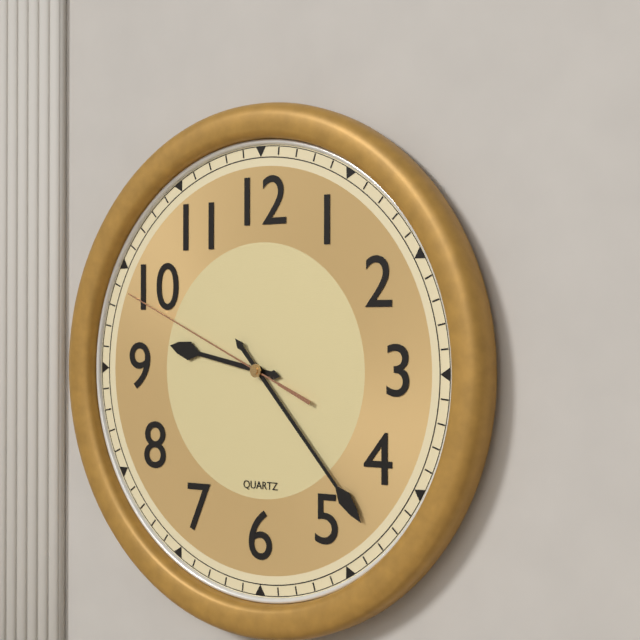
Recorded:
9.23.49
